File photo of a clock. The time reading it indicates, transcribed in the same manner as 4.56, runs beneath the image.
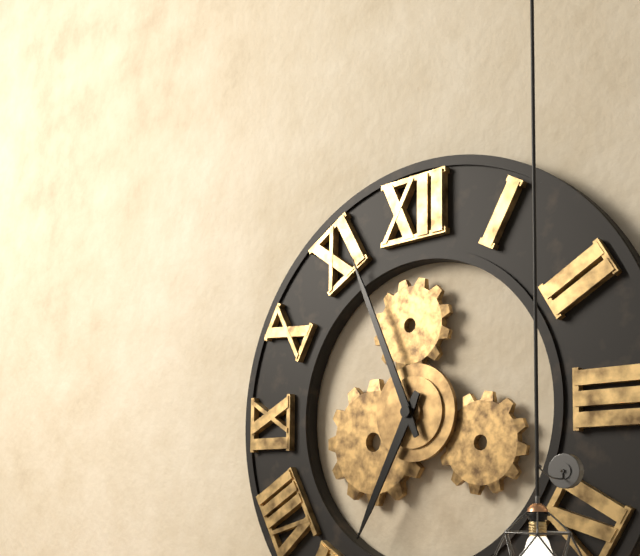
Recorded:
6.56
